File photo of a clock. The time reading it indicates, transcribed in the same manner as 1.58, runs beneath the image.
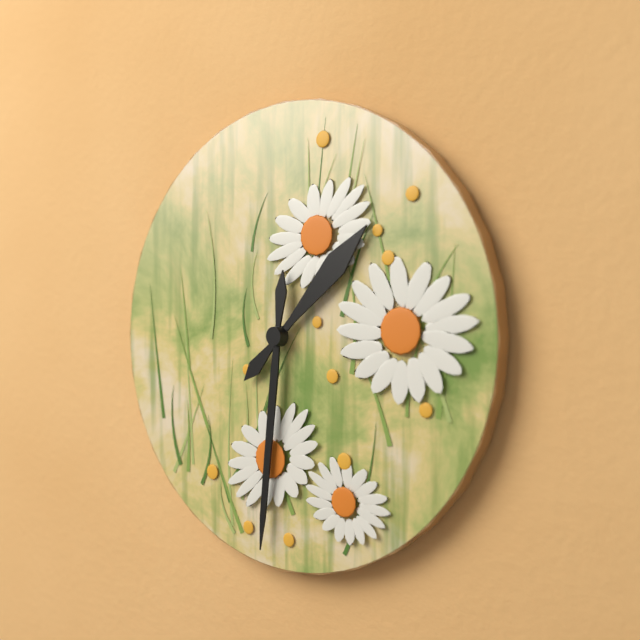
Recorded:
1.31
